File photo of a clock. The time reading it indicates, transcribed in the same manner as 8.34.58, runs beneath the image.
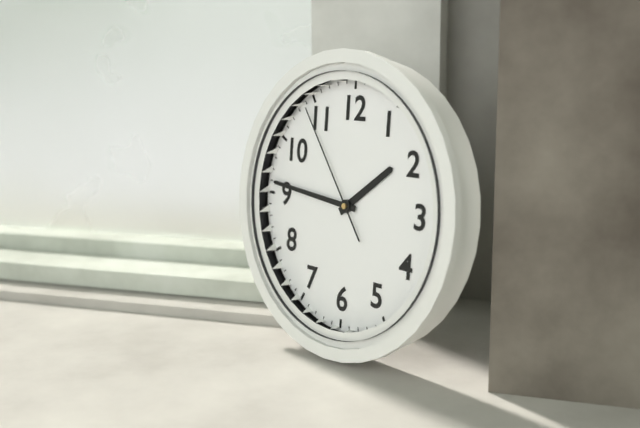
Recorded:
1.46.54
